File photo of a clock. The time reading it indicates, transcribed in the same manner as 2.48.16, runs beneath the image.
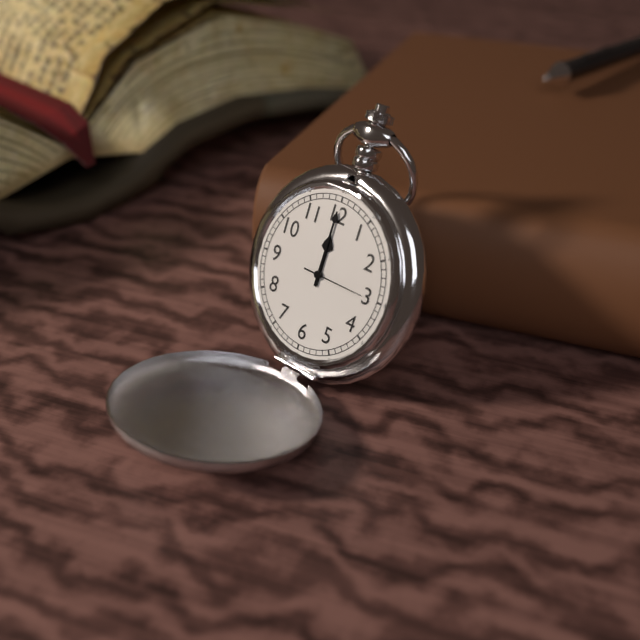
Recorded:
12.00.15
